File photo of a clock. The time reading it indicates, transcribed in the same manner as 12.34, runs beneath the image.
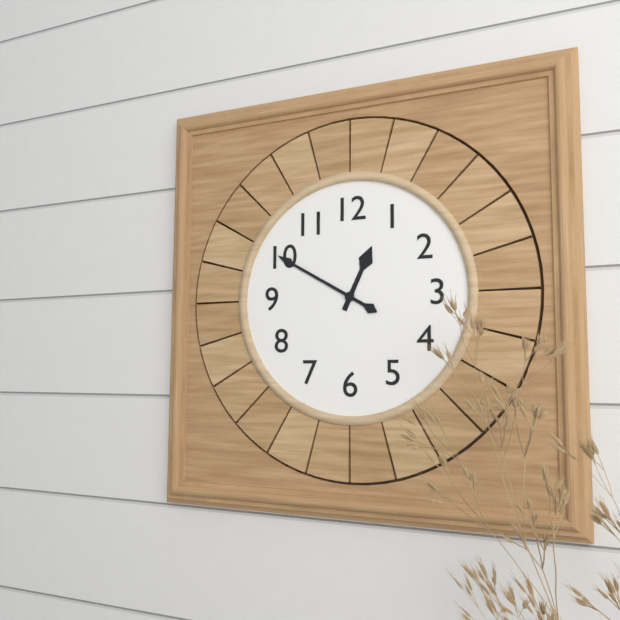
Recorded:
12.50
